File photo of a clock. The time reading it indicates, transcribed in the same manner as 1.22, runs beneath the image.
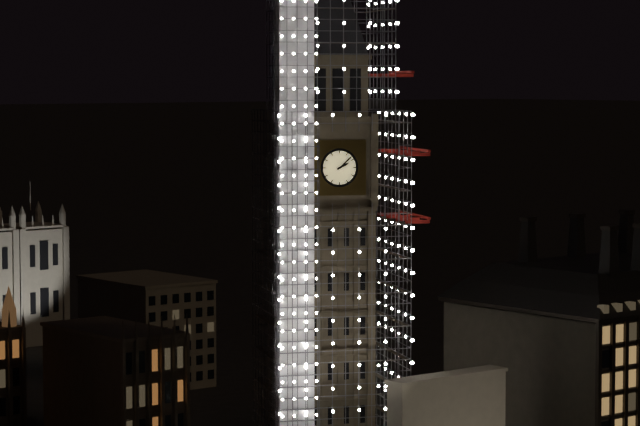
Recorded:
2.08
